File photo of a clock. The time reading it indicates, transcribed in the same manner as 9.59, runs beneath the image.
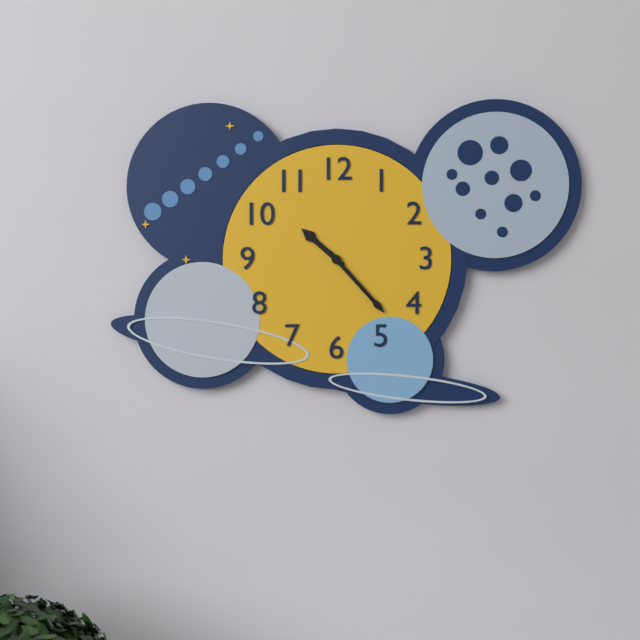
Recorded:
10.23
